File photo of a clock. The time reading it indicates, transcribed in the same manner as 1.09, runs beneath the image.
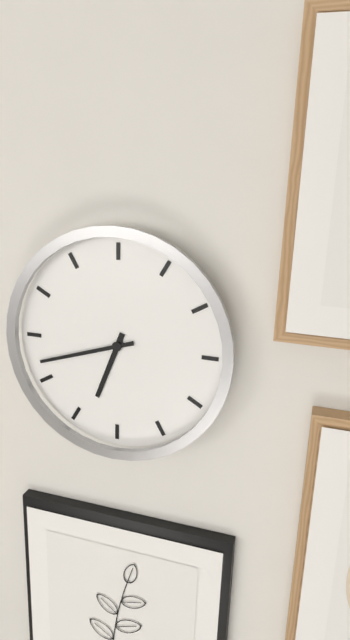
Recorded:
6.42
